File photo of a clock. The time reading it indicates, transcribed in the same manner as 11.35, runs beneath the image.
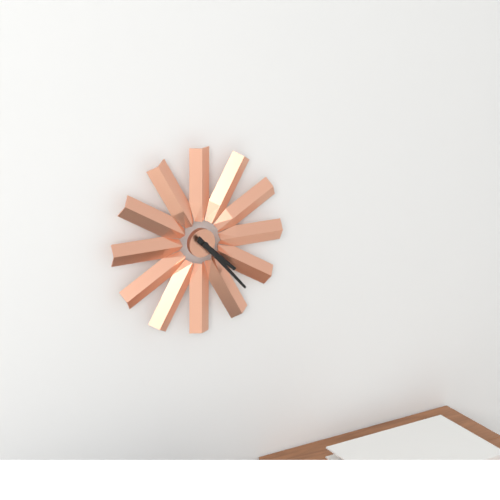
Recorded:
4.23
